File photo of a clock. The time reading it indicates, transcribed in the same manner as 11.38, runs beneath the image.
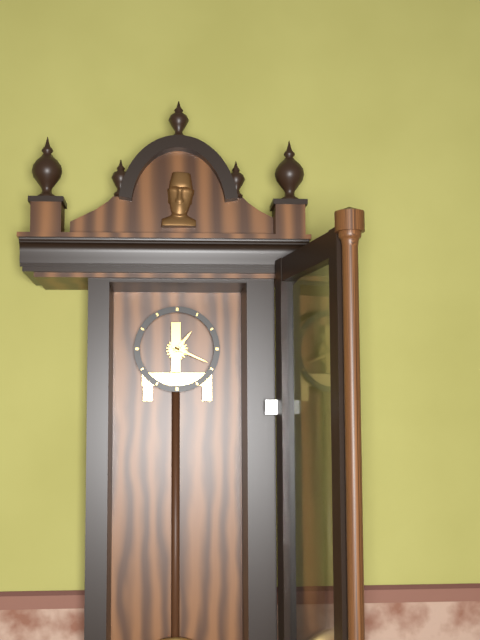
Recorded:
1.19
